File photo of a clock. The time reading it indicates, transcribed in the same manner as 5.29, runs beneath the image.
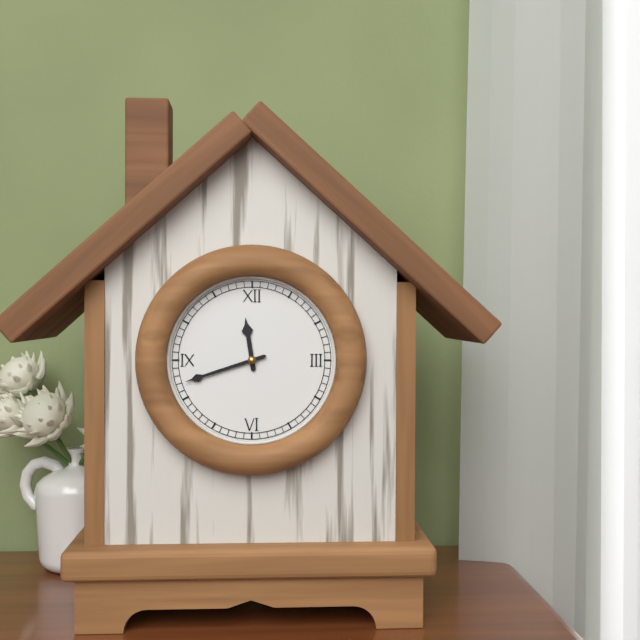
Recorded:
11.42
